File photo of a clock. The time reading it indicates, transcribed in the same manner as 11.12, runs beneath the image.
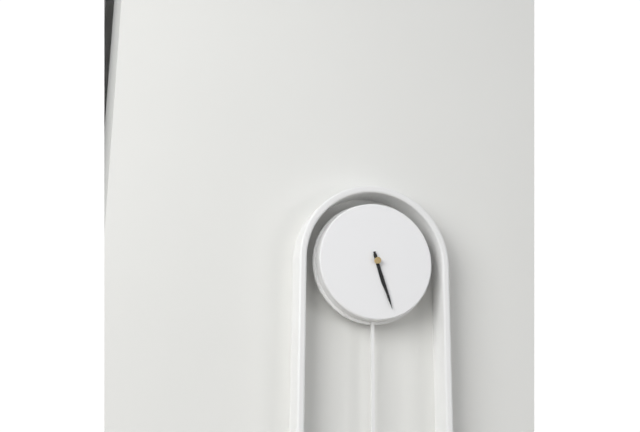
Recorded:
5.27
